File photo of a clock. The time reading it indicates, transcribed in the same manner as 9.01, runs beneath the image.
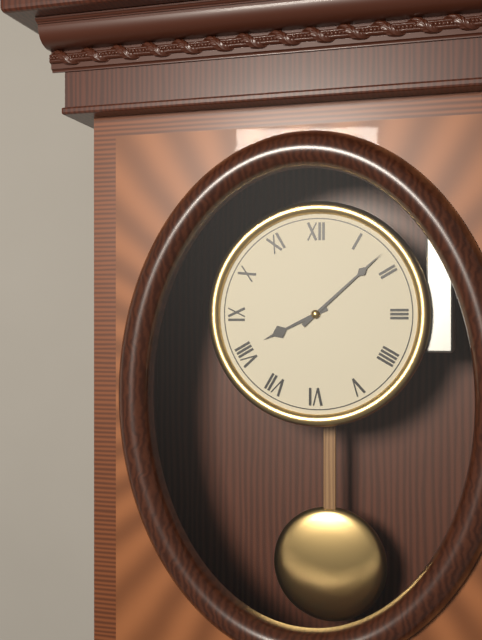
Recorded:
8.08
